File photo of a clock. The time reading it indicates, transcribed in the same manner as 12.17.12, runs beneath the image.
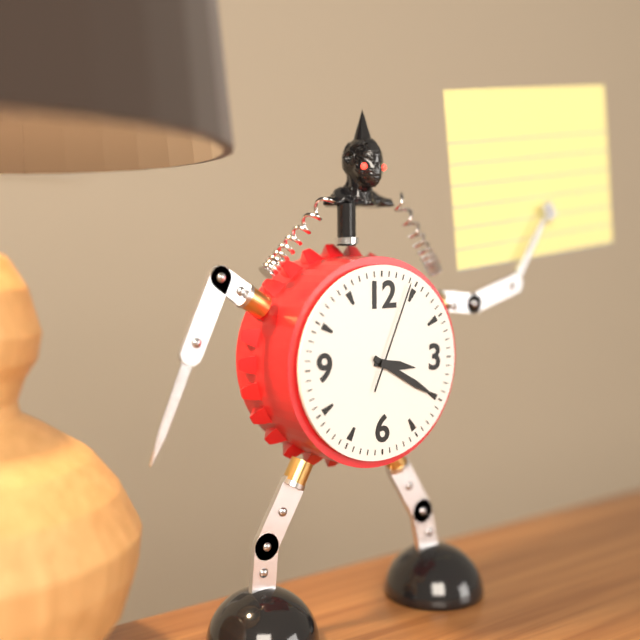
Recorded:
3.20.04
